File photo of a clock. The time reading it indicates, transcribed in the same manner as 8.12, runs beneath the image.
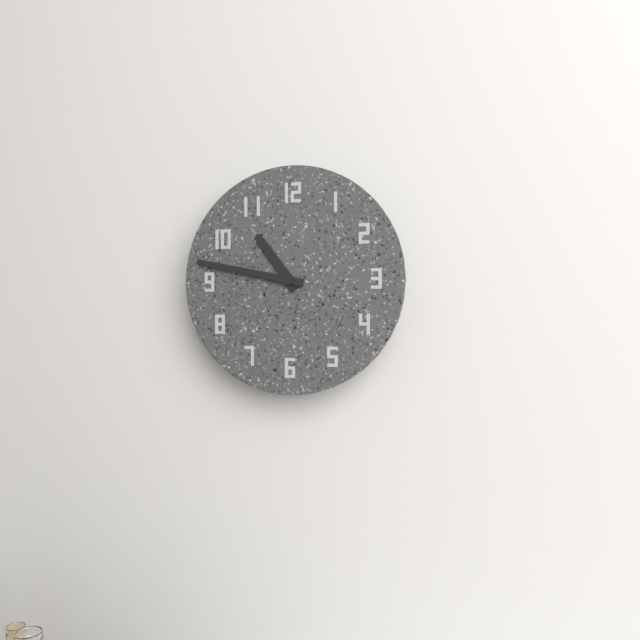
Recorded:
10.47
